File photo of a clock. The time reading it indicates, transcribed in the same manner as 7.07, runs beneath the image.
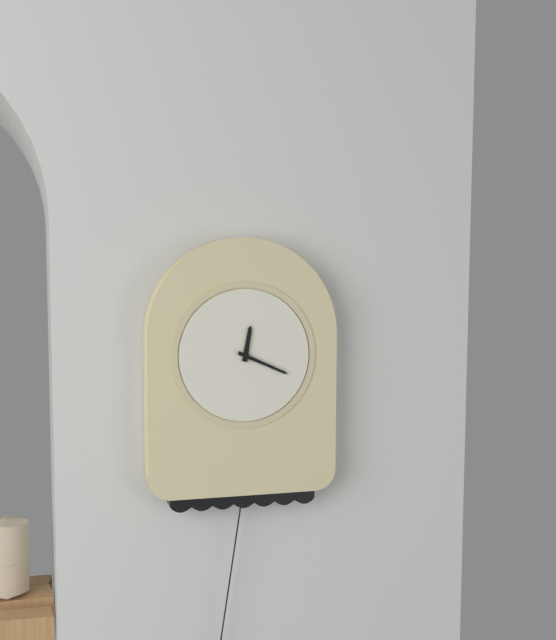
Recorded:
12.19
